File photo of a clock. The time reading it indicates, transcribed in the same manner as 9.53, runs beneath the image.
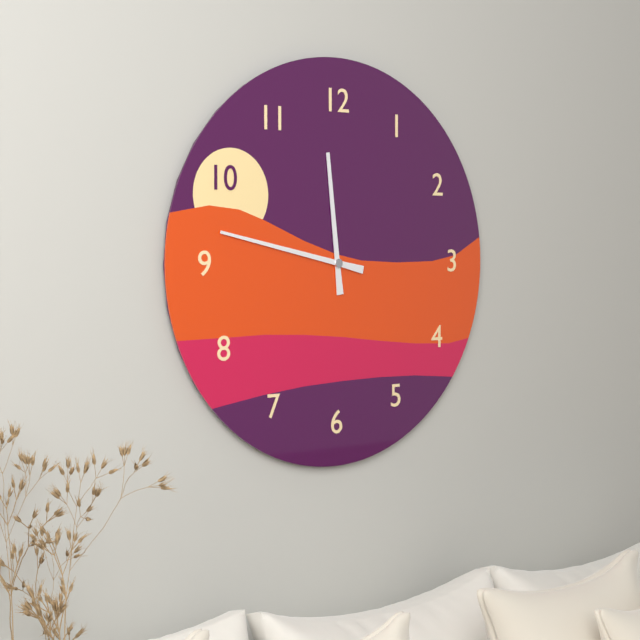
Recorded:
11.47
